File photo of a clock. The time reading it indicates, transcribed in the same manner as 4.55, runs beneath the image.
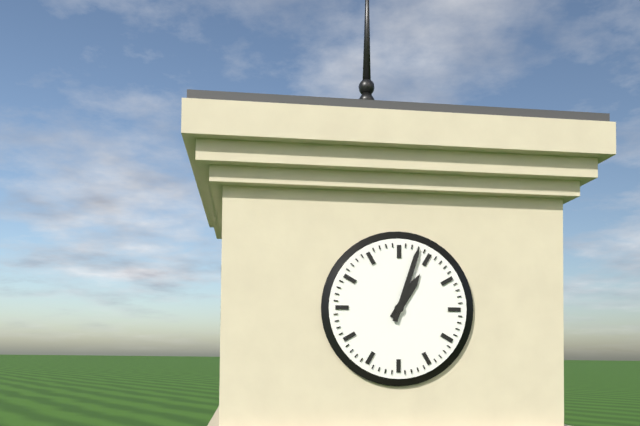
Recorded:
1.03
